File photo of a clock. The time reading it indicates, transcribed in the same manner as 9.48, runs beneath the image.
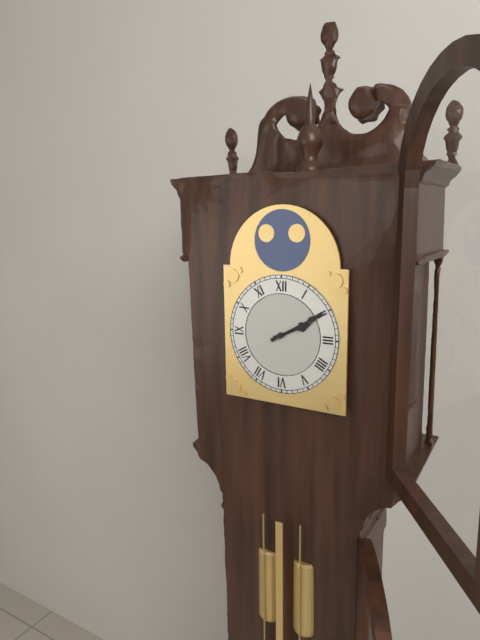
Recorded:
2.10
